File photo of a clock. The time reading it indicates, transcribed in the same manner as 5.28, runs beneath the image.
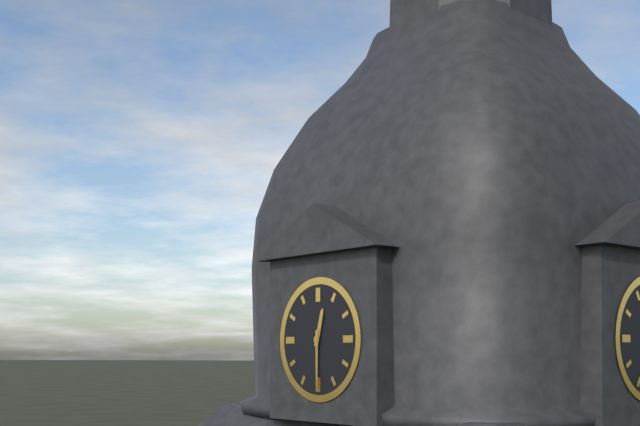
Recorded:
12.30
